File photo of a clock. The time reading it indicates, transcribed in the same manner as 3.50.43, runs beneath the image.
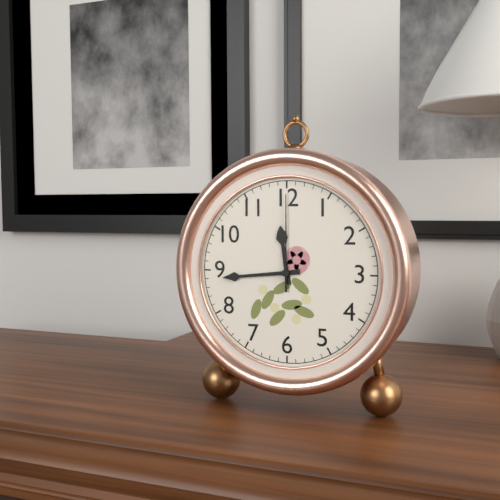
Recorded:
11.44.00
